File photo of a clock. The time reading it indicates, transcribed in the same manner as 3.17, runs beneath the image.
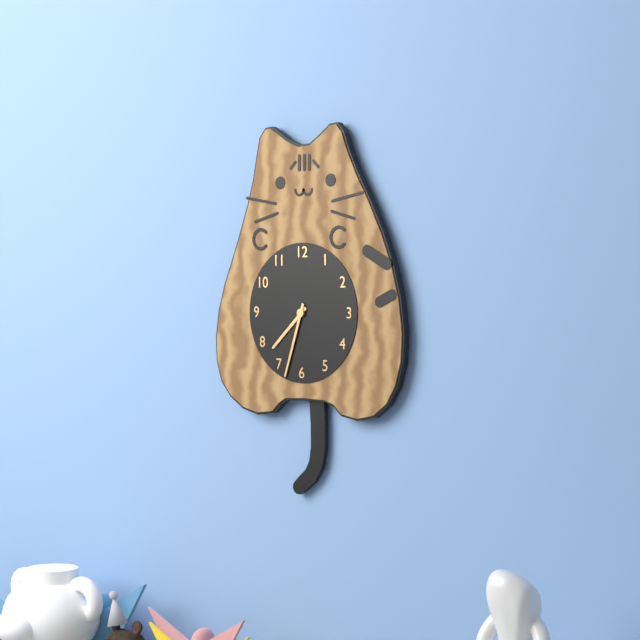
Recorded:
7.33
